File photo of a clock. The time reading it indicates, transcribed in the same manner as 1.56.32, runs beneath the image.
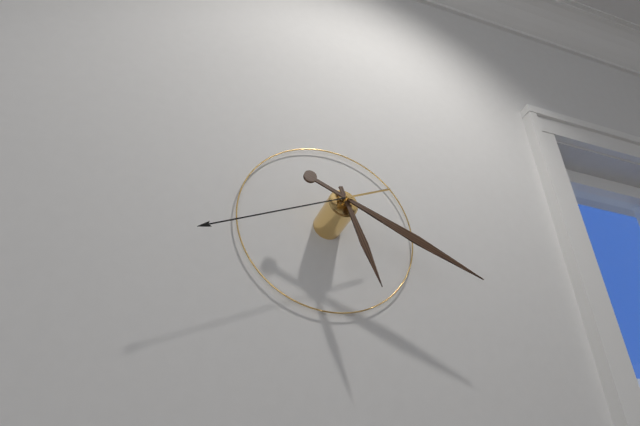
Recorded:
5.19.41
